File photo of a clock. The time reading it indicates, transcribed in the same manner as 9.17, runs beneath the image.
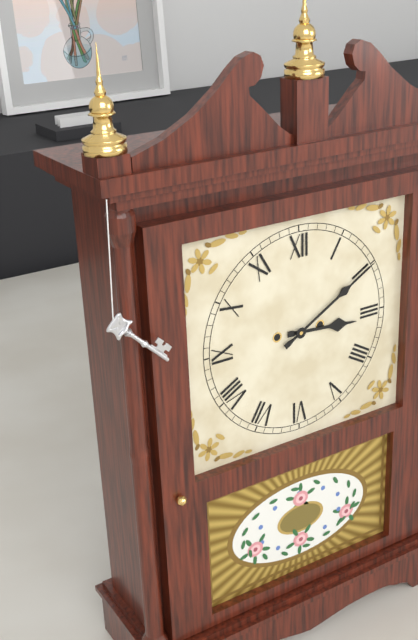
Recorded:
3.10
